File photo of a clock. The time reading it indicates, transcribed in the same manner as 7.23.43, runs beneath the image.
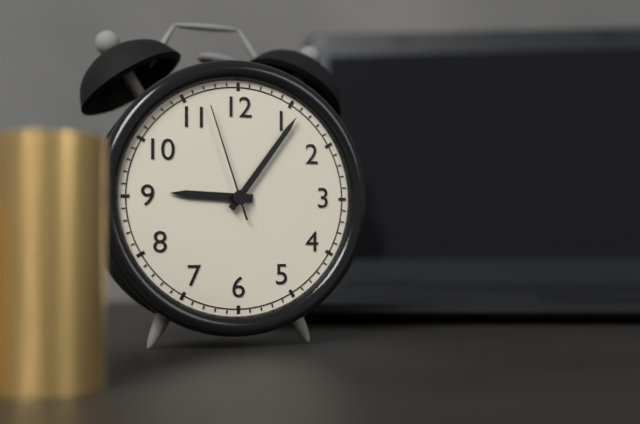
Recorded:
9.06.57
